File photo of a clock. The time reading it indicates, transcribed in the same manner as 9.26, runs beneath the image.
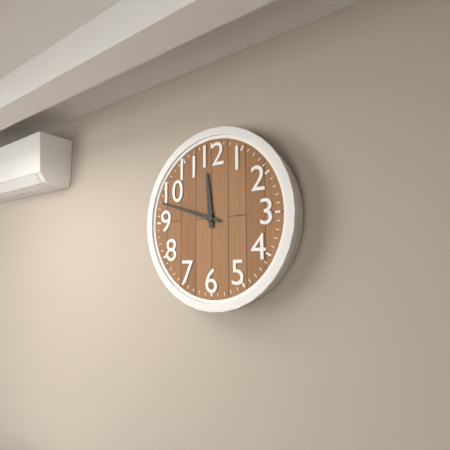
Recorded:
11.48
